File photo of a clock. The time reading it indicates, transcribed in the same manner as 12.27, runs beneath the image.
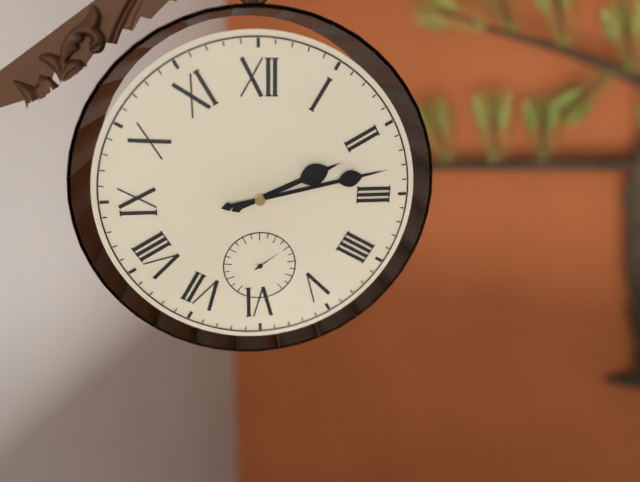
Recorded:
2.13
